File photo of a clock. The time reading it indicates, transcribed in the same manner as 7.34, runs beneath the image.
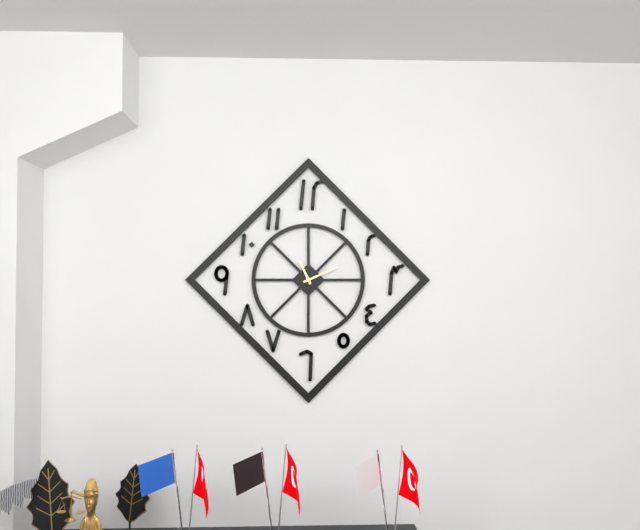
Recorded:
11.11
